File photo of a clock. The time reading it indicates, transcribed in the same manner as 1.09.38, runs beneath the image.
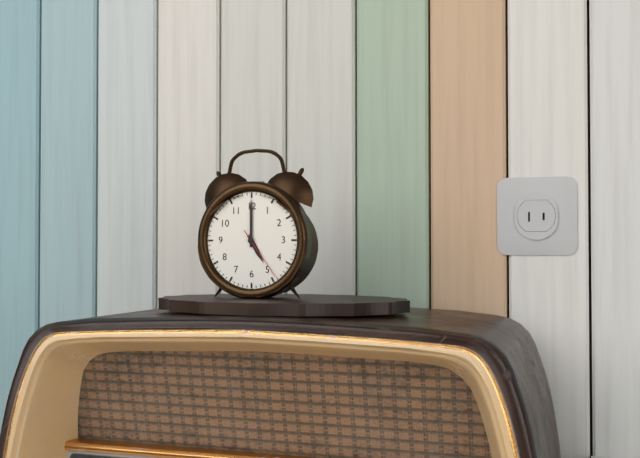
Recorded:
5.00.24
